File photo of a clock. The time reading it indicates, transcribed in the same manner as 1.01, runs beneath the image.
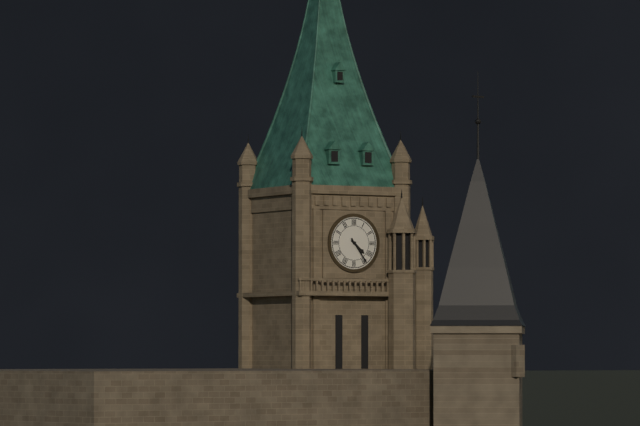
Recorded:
4.24
